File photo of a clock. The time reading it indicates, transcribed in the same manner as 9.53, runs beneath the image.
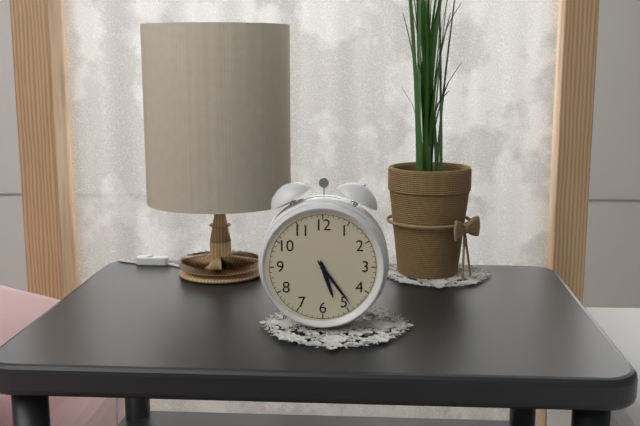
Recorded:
5.24
